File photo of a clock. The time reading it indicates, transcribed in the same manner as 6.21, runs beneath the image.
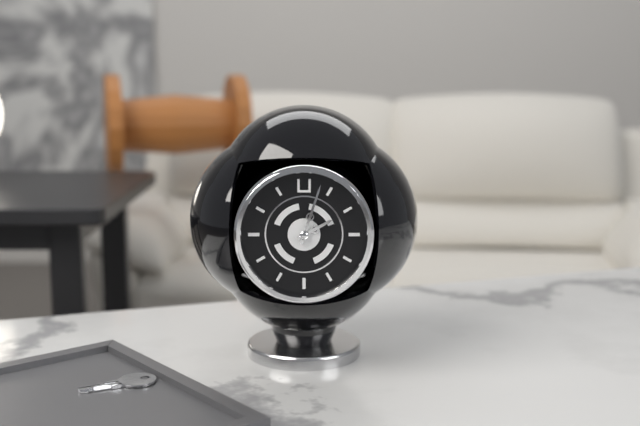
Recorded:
2.03
